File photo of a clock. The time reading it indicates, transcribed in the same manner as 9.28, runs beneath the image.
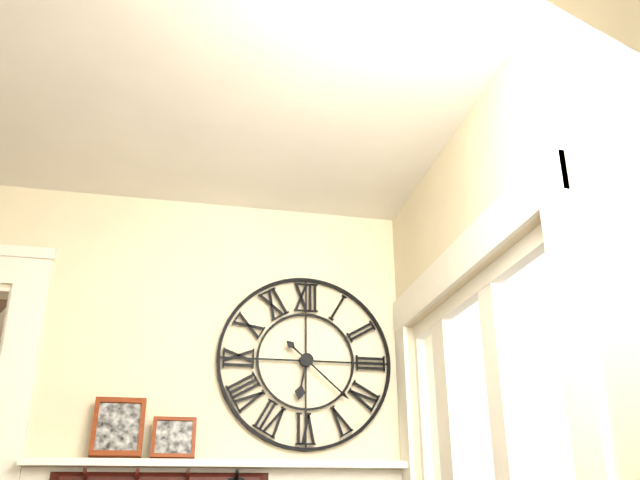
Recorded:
6.22
